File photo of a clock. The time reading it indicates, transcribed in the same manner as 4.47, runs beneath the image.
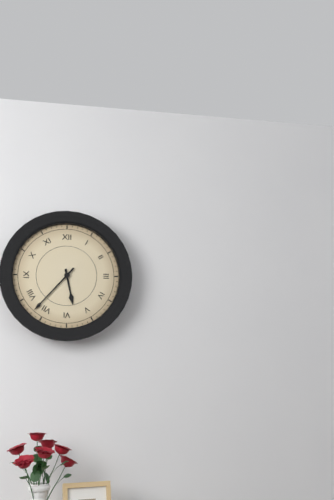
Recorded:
5.37
